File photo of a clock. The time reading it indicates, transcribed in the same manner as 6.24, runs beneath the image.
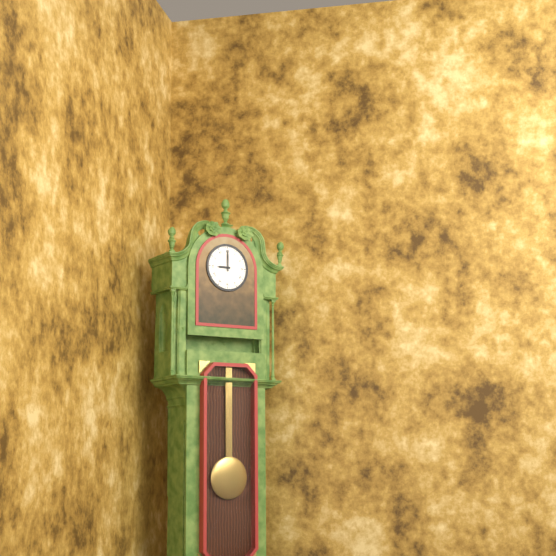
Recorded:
9.00
